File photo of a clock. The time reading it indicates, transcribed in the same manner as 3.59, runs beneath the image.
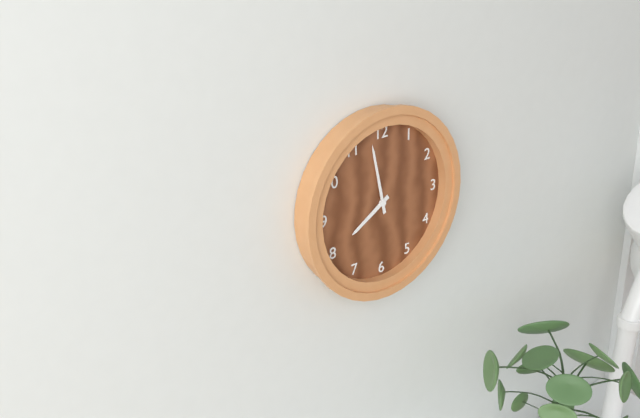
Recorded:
7.58
